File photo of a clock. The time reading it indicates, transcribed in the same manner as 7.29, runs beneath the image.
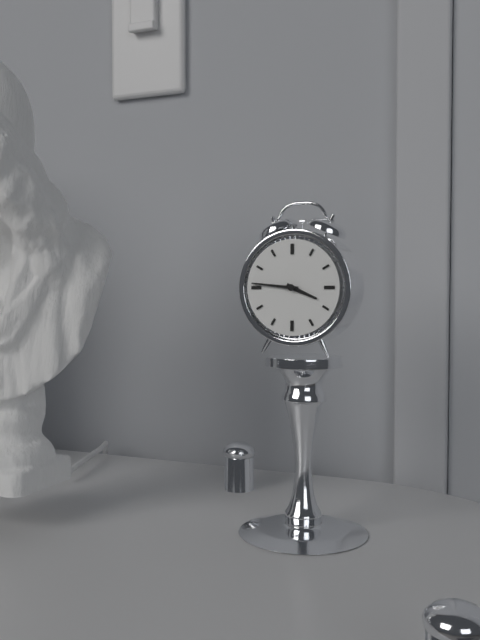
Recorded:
3.46
